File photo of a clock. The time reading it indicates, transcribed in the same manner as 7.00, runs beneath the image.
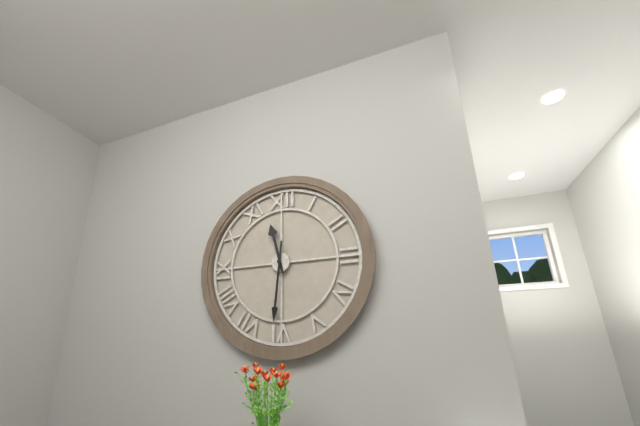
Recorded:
11.31
